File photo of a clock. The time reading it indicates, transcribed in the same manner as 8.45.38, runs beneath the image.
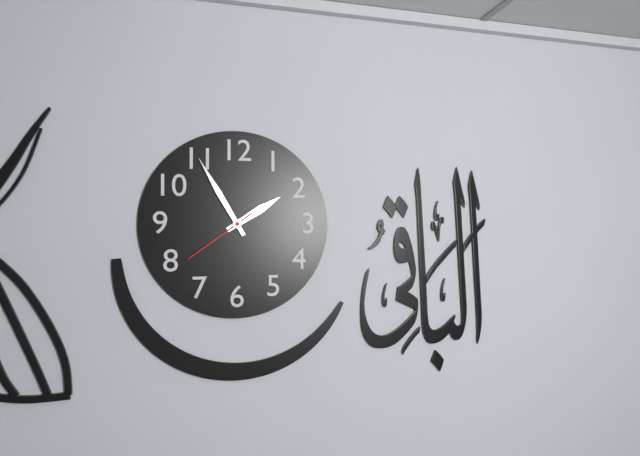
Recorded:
1.55.39
